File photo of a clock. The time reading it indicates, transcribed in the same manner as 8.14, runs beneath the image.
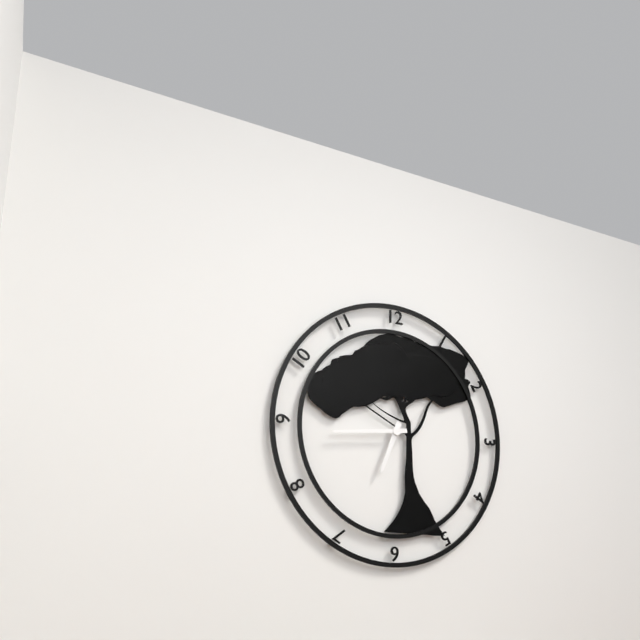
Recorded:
6.44
